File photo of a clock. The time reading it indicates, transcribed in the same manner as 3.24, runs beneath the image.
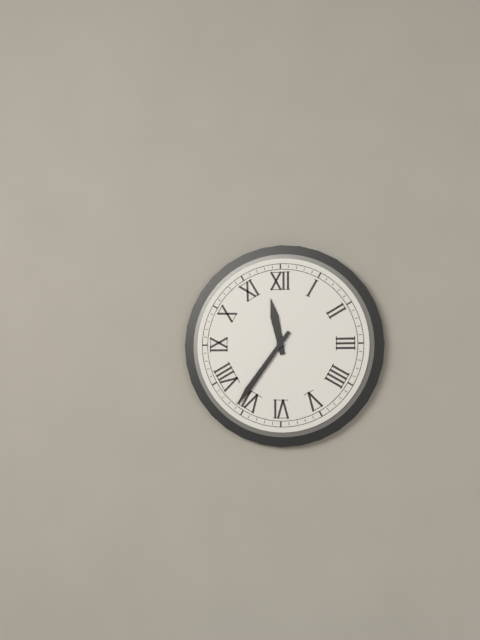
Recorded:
11.36
